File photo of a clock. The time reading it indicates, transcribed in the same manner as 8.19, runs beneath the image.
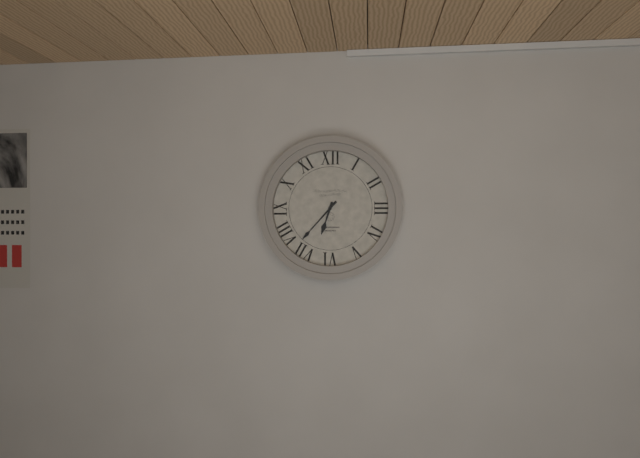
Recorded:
6.37
